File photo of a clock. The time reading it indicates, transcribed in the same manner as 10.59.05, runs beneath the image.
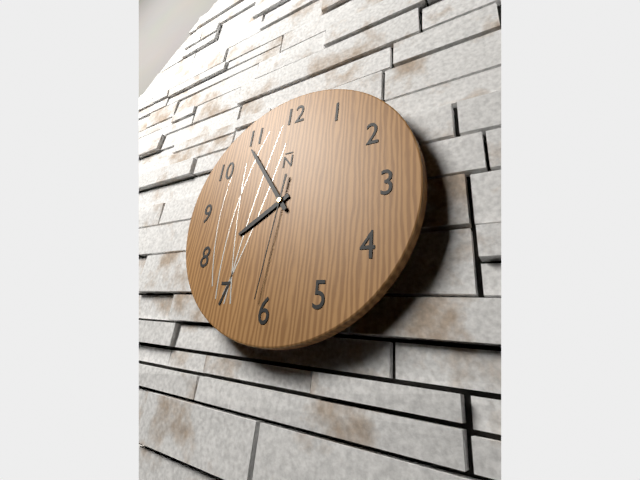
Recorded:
7.54.31
